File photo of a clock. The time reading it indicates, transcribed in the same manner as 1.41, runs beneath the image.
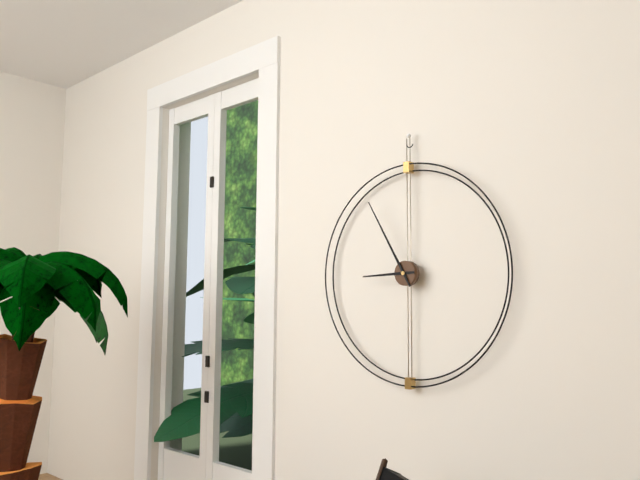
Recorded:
8.55
